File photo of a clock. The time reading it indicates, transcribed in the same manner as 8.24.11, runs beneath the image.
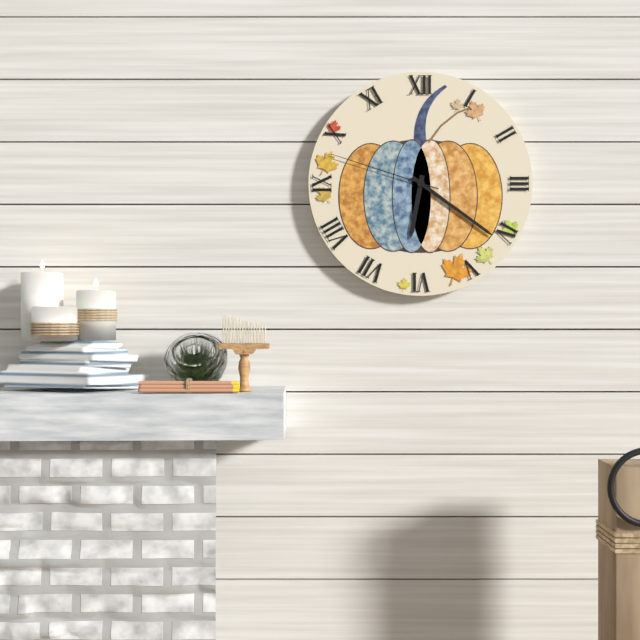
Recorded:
6.21.48
